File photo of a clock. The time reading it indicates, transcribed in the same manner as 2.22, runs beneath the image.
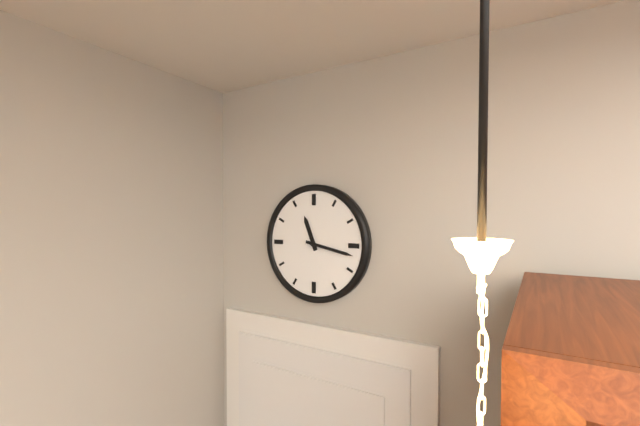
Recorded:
11.17
